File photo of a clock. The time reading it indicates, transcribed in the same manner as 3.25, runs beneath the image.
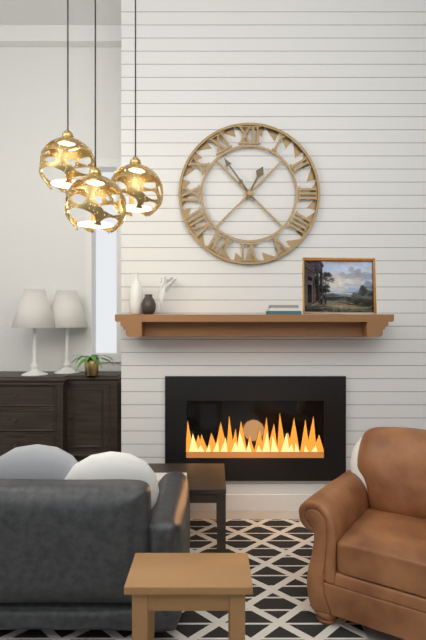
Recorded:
12.54
